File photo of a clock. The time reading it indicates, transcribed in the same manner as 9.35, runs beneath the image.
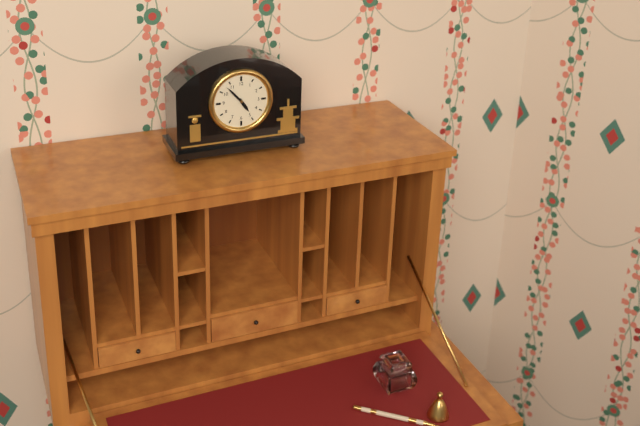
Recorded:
4.53
